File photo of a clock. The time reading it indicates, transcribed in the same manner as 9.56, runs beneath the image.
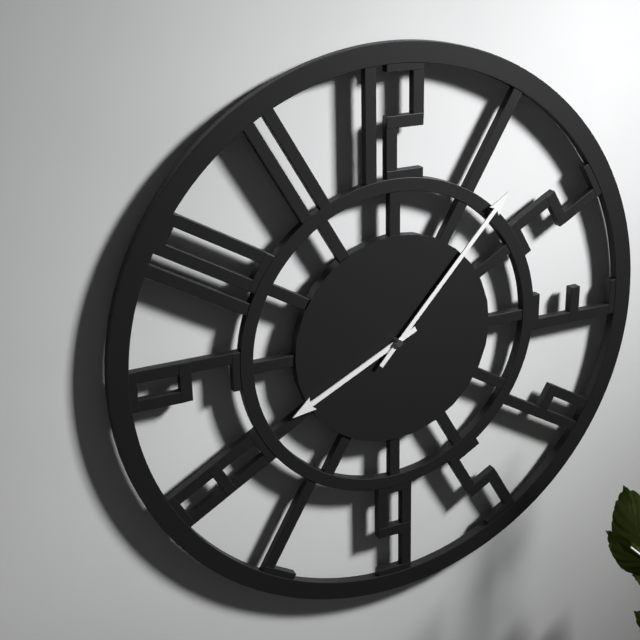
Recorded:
8.07
